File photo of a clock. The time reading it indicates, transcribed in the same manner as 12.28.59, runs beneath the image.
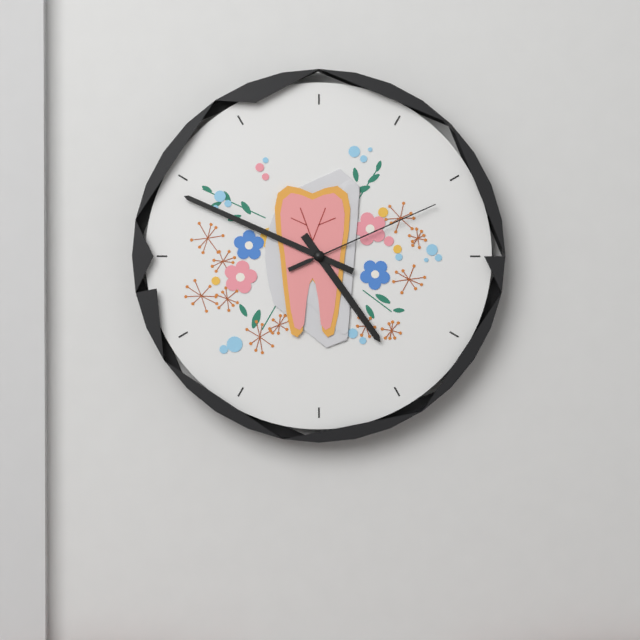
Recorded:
4.49.11
